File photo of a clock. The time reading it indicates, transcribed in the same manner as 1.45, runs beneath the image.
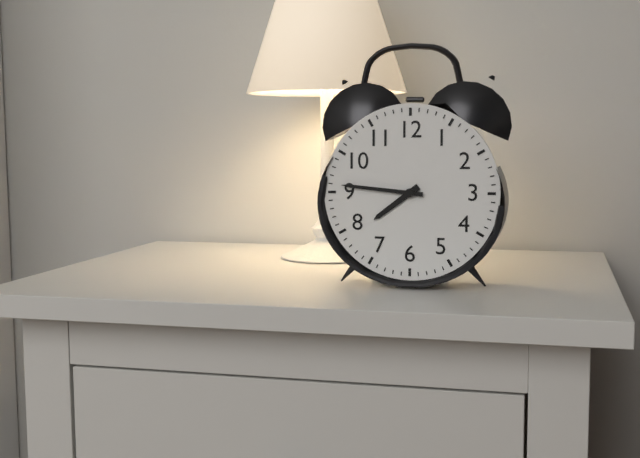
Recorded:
7.46
